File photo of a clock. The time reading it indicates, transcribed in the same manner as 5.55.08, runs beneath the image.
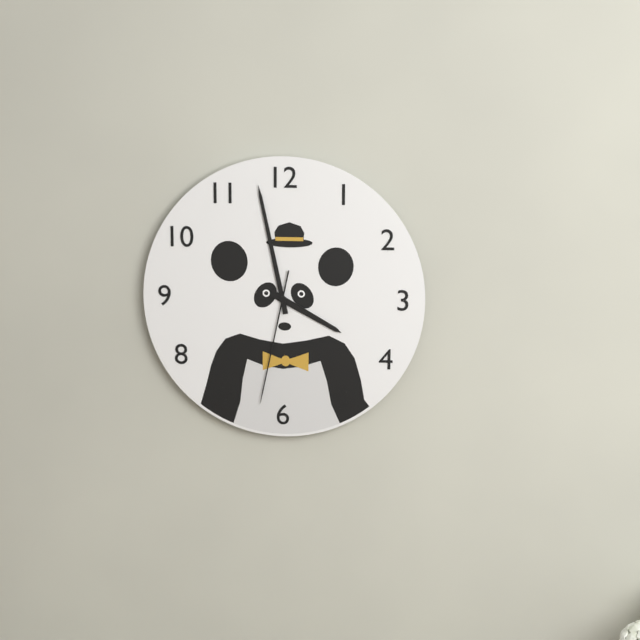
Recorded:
3.58.32
